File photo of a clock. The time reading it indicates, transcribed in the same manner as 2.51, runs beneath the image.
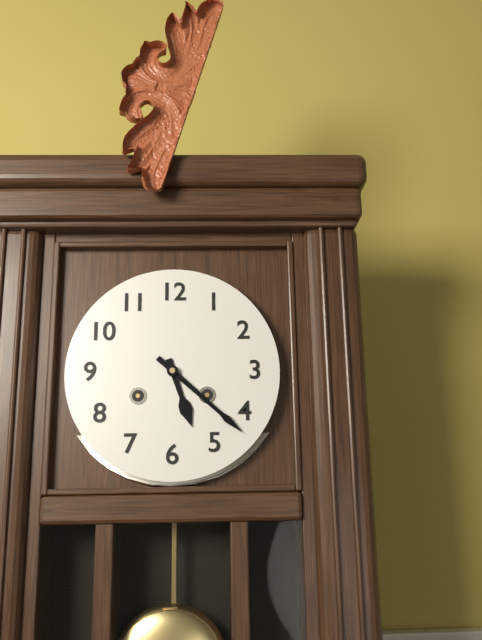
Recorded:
5.22
